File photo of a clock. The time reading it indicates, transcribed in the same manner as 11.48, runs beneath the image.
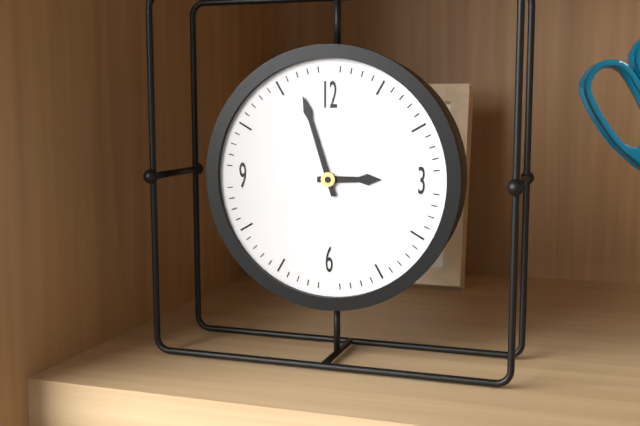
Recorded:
2.57
